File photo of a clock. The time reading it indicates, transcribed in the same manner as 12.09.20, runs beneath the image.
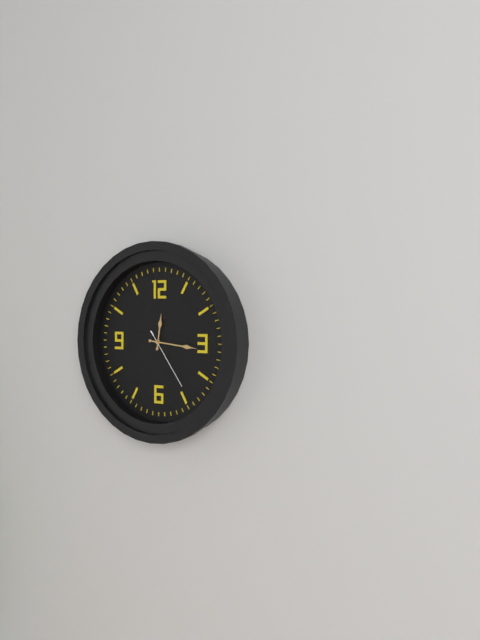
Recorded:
12.16.24
